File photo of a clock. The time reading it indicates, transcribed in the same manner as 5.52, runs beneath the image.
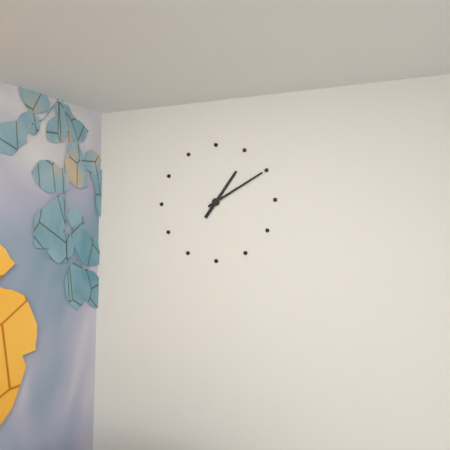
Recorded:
1.10
